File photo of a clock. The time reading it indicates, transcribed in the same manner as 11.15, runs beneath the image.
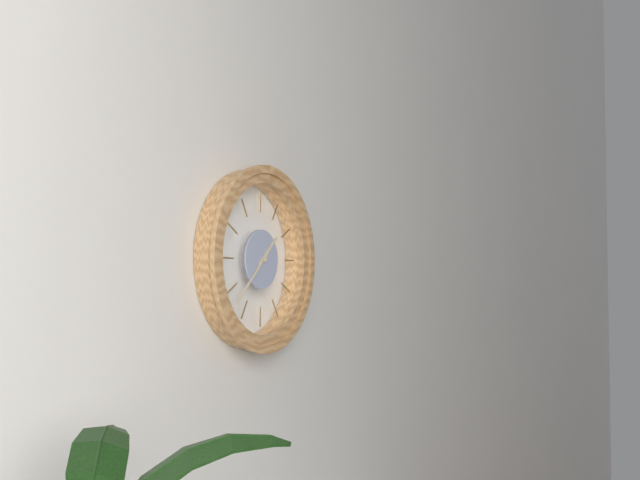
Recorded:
1.38
